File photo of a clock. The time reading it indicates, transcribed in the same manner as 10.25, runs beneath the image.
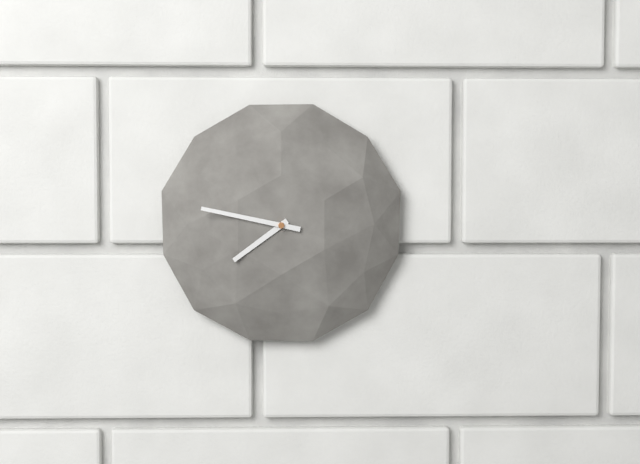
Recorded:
7.47
